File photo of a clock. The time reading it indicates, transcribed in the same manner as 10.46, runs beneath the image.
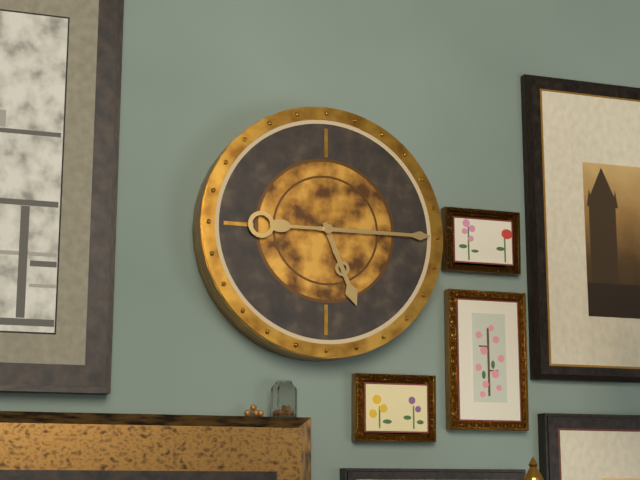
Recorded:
5.15
